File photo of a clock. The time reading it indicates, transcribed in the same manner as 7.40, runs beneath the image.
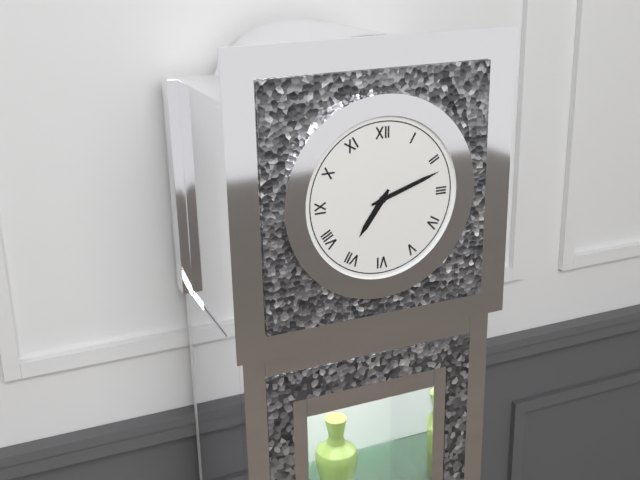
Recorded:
7.12
